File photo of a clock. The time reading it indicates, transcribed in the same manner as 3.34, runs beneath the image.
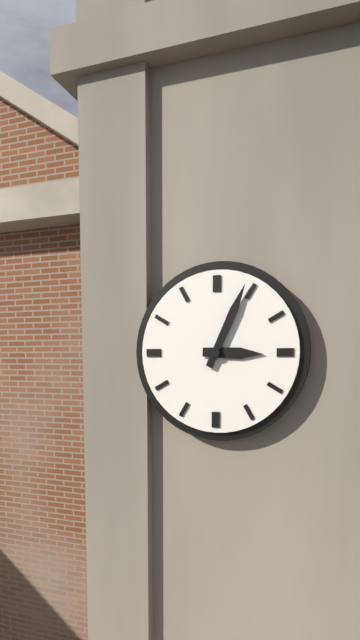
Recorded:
3.04
